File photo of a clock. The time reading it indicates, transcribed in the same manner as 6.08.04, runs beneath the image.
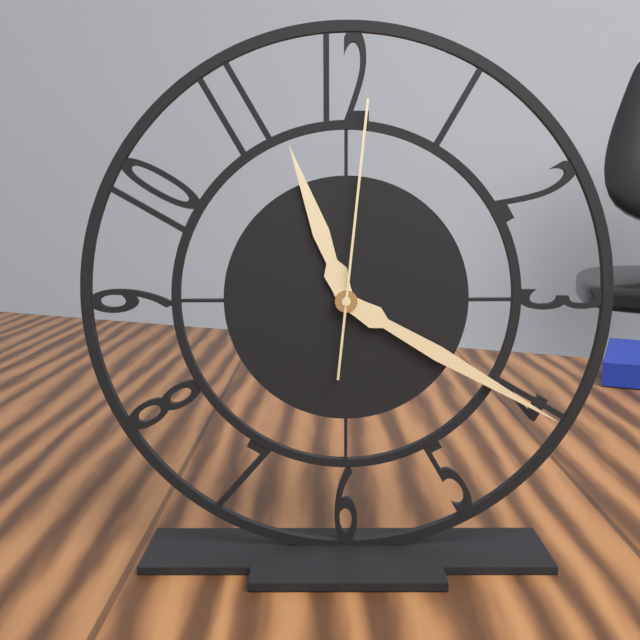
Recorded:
11.20.01
